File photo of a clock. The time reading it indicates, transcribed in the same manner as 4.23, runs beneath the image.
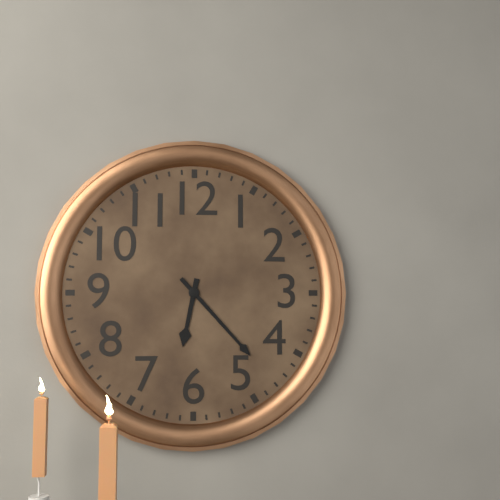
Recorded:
6.23
